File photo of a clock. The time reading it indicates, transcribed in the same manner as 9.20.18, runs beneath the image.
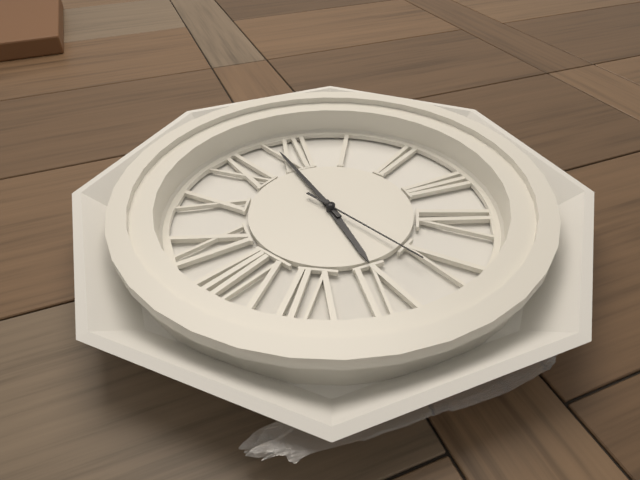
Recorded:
5.59.26
